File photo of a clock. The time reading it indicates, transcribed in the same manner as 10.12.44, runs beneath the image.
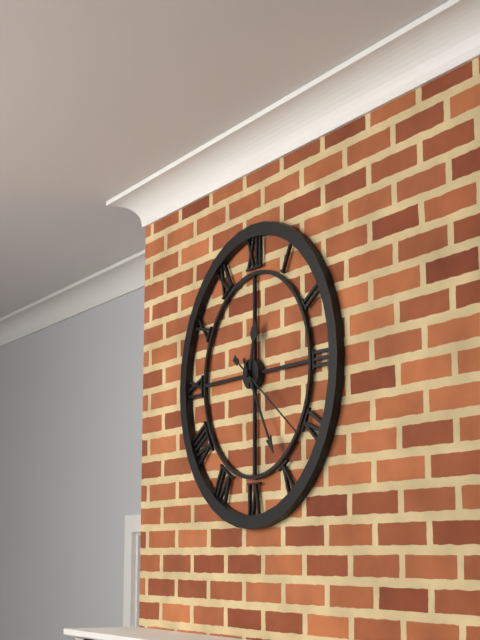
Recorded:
12.25.21
